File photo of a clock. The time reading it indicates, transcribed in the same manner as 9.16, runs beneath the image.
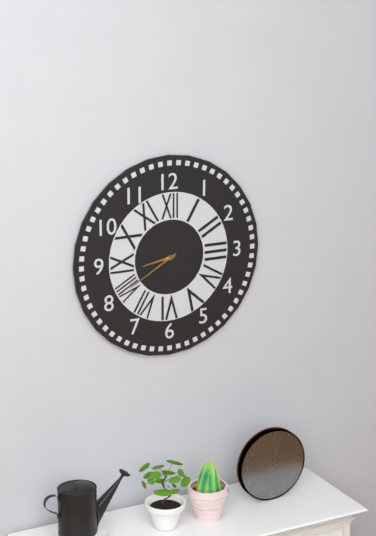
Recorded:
8.40
